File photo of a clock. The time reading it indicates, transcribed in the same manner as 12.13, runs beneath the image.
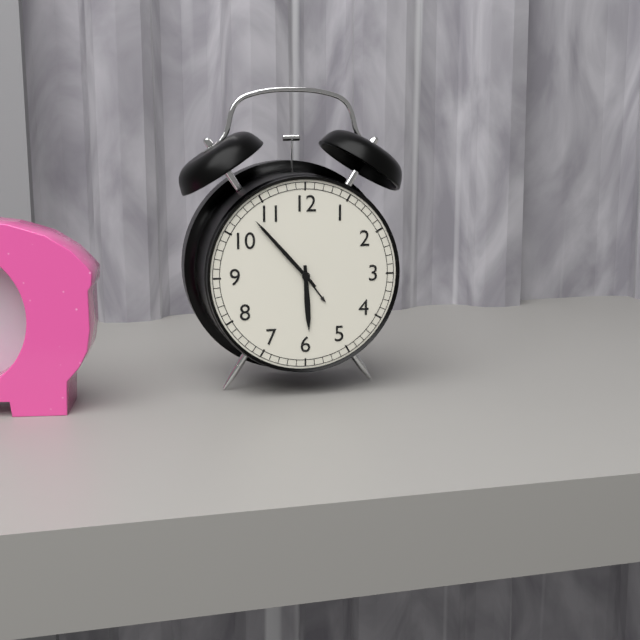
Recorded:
5.53
